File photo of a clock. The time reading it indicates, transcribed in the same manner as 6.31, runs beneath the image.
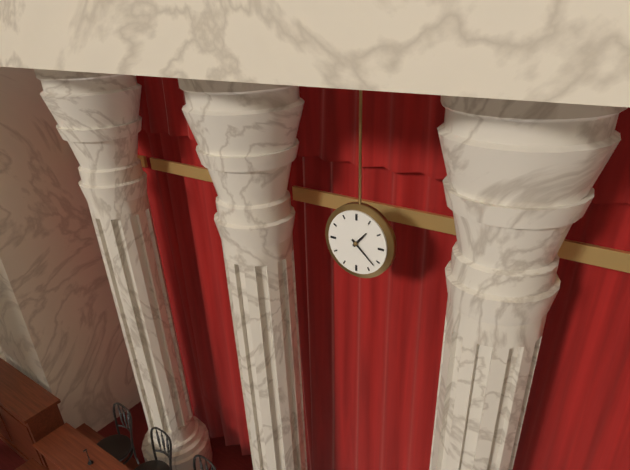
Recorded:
1.22
